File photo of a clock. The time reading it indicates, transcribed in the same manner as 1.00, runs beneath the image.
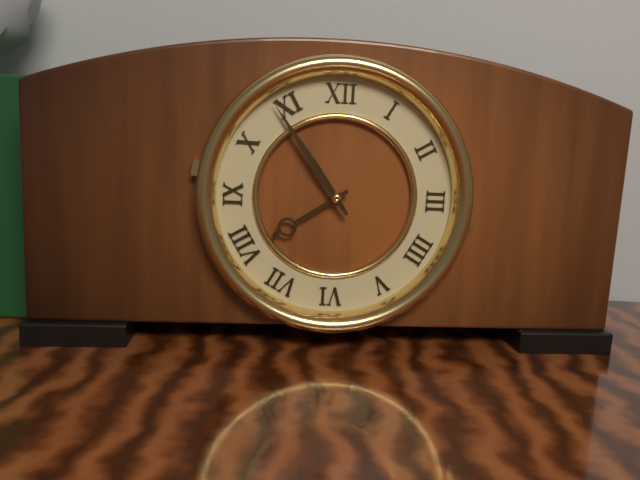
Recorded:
7.54
